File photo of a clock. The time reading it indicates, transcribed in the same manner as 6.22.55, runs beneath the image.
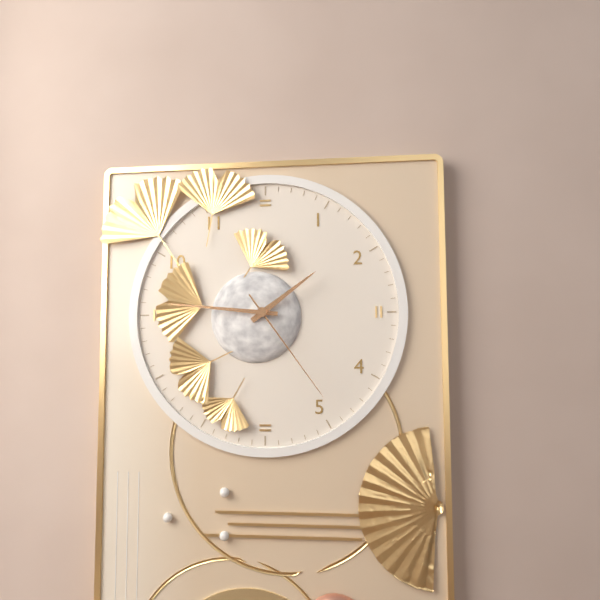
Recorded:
1.46.24
